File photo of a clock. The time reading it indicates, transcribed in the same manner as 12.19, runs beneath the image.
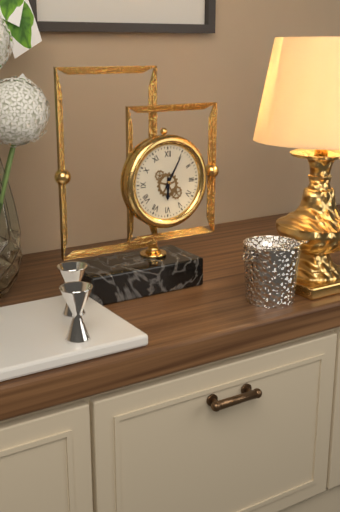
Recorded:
6.05
